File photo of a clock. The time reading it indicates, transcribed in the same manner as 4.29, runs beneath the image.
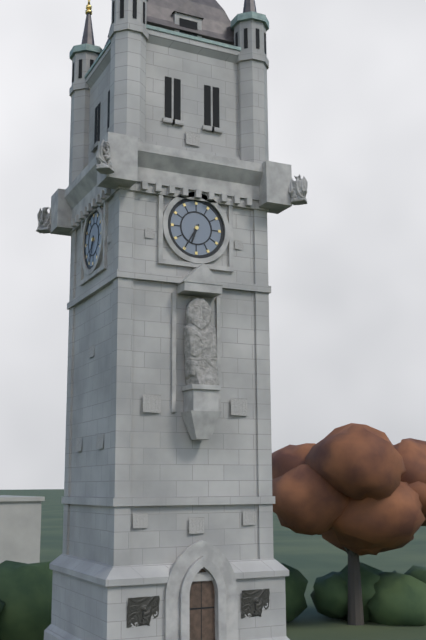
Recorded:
6.35
